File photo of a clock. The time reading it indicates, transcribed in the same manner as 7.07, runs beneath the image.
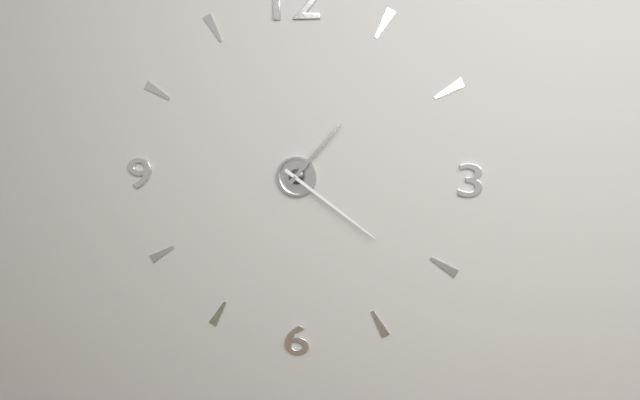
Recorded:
1.21
